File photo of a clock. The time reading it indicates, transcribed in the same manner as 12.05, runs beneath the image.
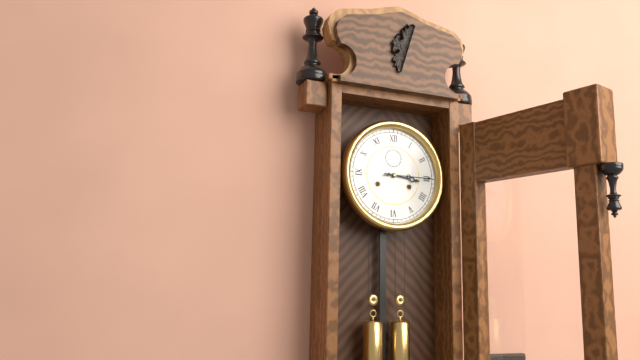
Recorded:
3.15
